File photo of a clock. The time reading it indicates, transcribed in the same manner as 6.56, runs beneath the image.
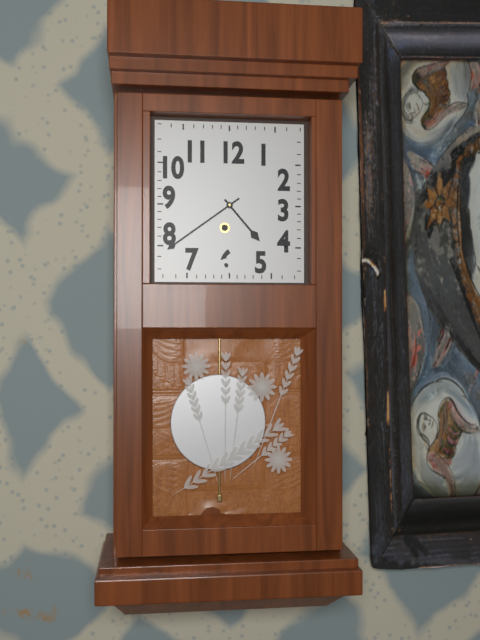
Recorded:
4.39
